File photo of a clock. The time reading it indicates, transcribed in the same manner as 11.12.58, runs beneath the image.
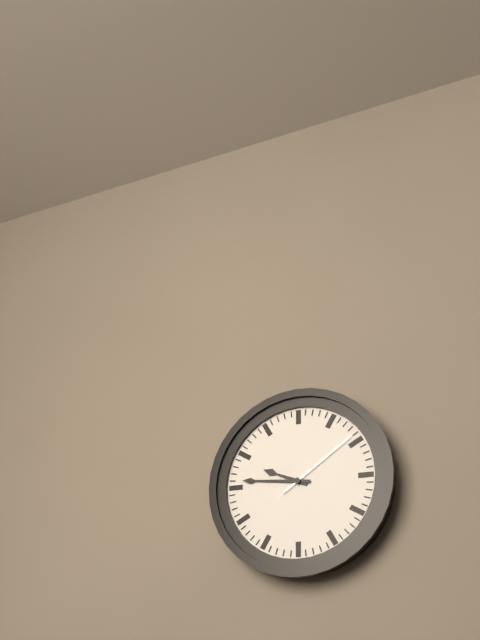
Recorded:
9.46.09
